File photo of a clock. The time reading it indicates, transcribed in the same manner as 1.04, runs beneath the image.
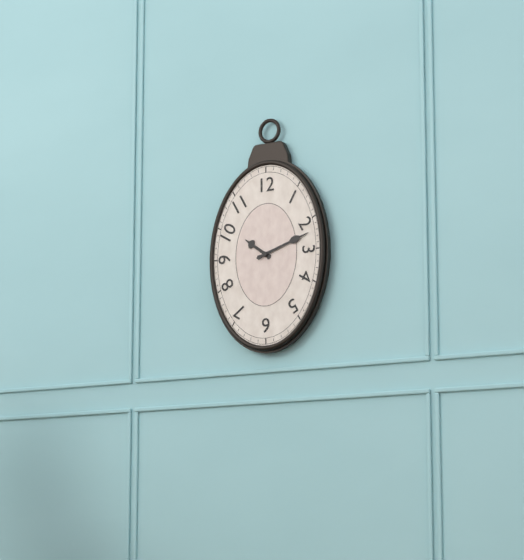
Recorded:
10.12
